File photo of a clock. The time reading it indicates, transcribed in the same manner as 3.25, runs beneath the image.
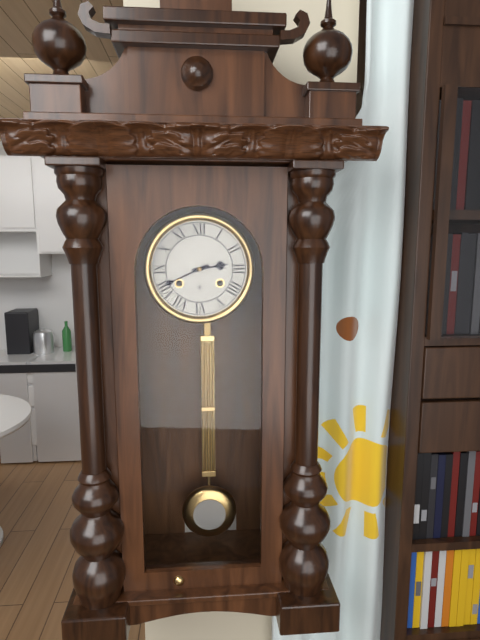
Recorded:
2.41
